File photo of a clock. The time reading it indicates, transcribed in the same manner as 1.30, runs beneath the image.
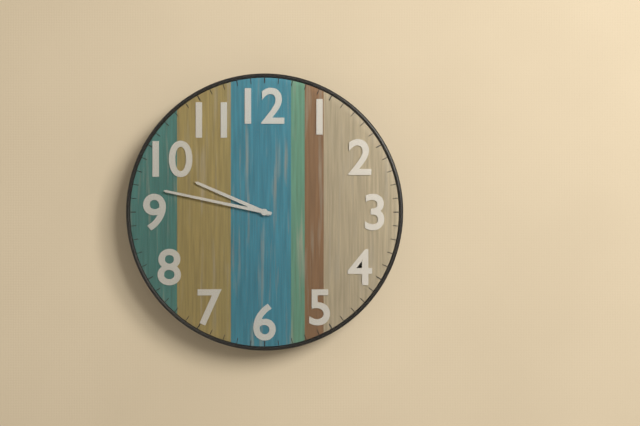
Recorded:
9.47
